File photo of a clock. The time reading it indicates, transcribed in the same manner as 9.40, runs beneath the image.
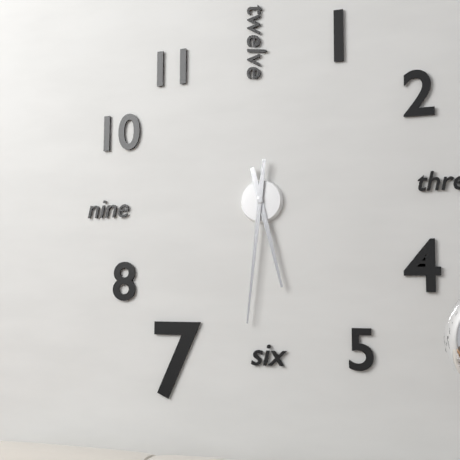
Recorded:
5.31
